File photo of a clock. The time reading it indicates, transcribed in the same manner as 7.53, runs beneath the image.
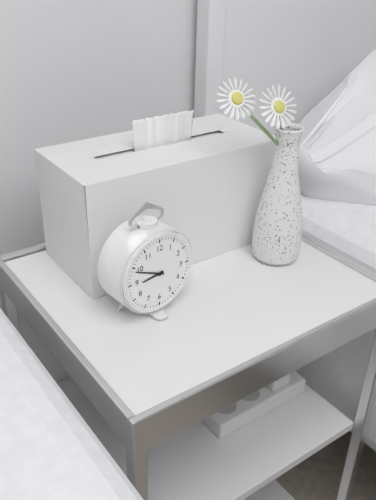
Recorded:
8.49
